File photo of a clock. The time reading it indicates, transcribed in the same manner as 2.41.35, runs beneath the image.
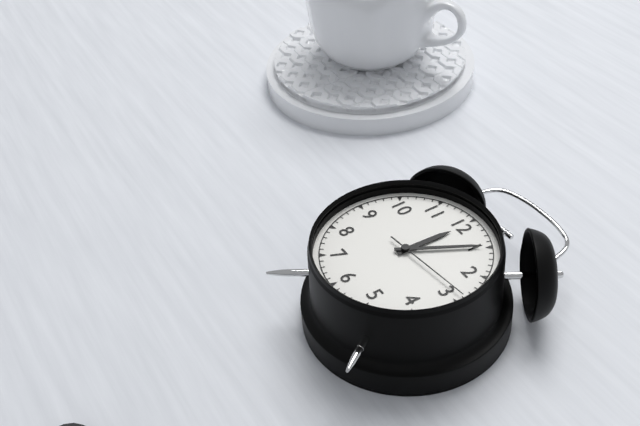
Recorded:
12.05.14
